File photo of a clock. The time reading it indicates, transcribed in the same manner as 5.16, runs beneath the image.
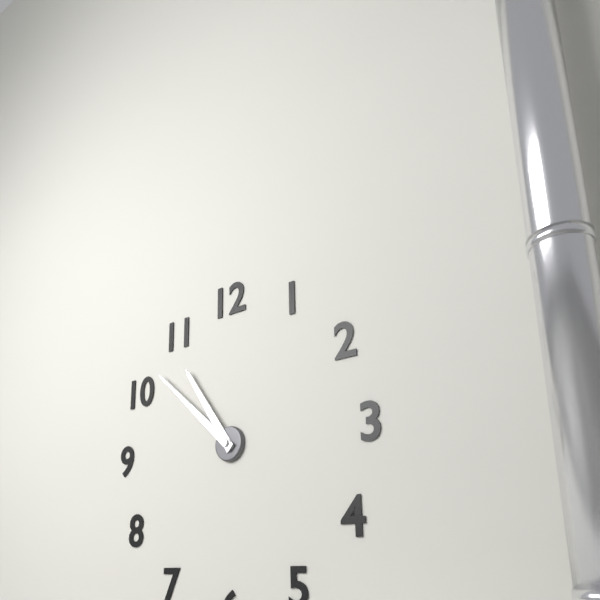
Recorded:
10.52
